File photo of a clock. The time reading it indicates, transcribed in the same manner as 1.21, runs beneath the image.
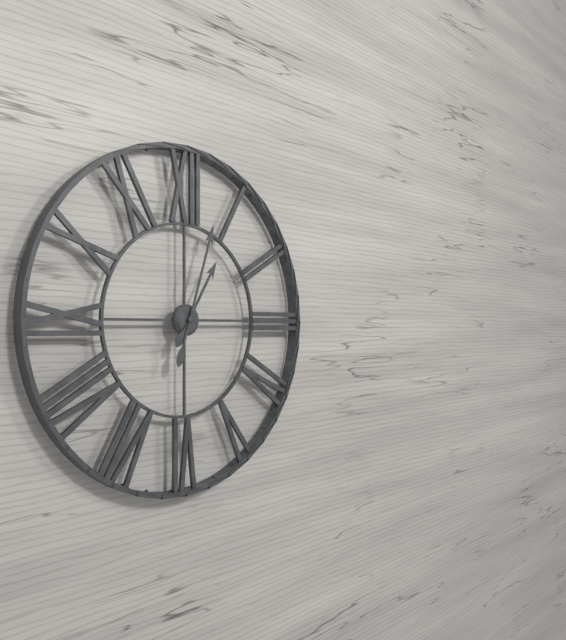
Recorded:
1.03
